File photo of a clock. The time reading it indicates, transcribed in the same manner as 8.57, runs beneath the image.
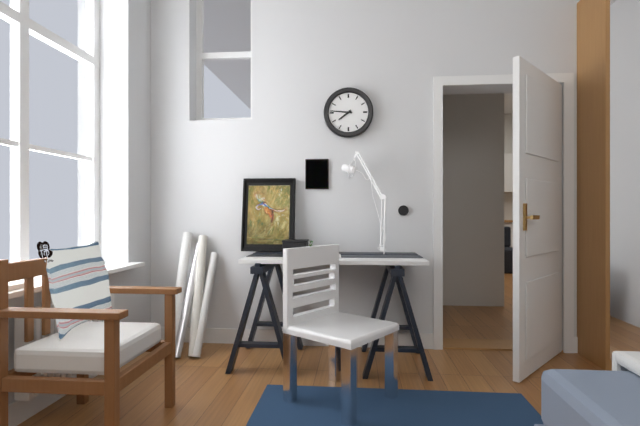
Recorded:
7.46
